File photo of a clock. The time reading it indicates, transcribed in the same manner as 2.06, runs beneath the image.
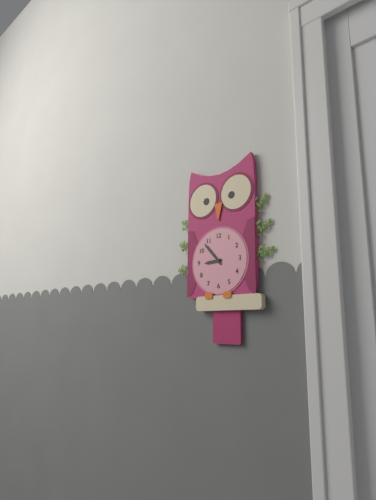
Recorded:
8.53
